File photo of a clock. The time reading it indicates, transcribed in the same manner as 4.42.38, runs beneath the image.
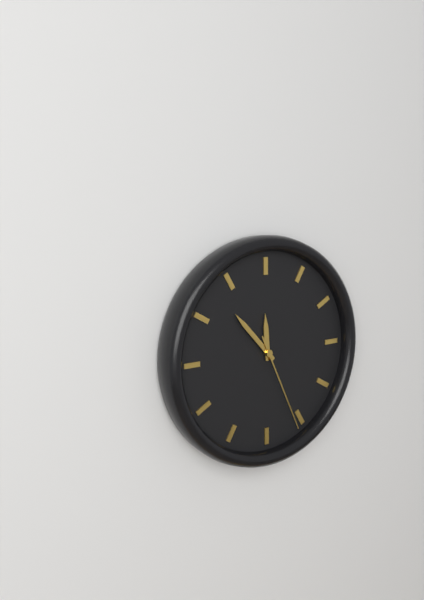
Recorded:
11.53.26
